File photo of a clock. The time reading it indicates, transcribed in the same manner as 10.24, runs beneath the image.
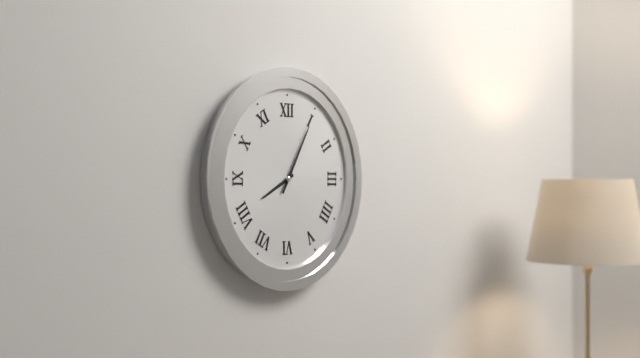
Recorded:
8.05
